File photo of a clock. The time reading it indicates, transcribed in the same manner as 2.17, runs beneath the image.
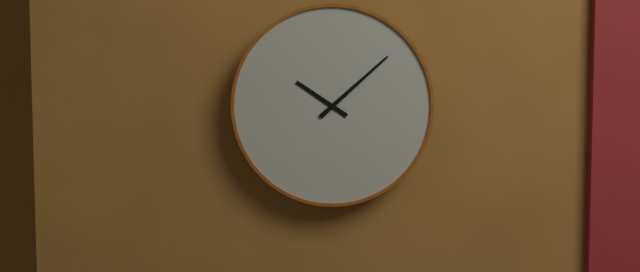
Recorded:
10.08
